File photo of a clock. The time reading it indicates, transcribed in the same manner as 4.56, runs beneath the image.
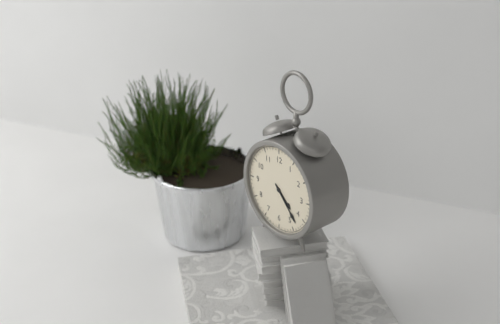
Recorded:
4.23
